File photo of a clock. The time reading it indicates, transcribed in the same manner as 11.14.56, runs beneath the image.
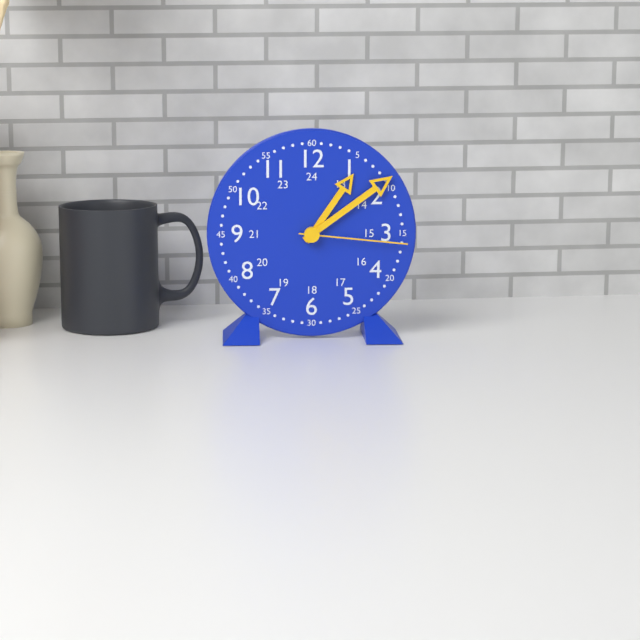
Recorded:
1.09.16
